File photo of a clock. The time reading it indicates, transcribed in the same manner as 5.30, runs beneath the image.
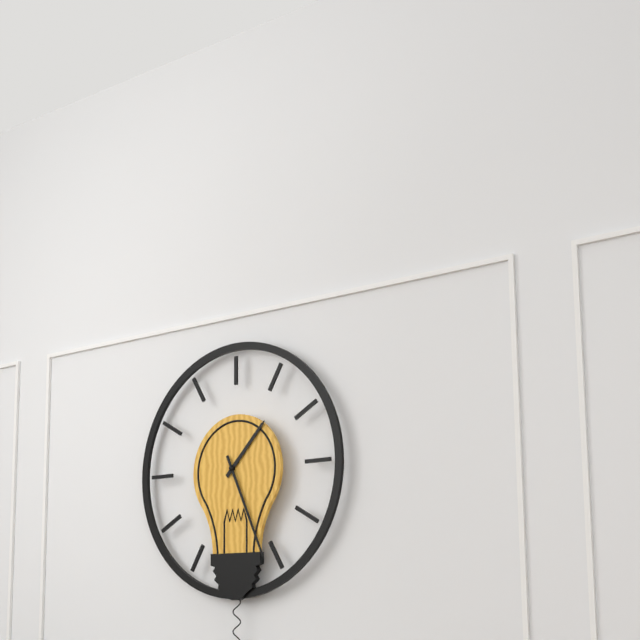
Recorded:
1.26
